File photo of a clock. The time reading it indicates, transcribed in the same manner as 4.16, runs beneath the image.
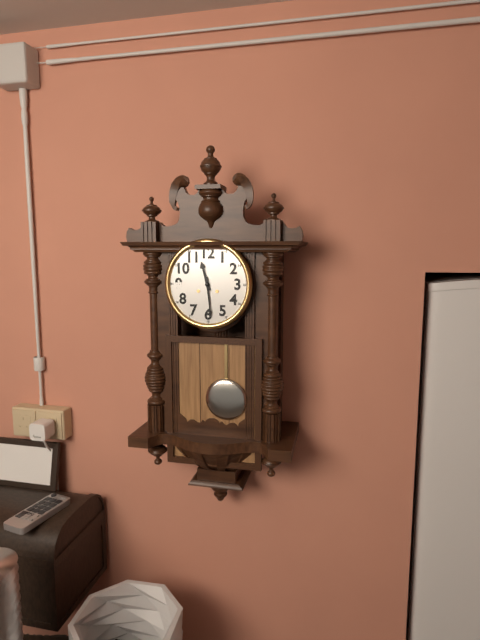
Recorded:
11.29
